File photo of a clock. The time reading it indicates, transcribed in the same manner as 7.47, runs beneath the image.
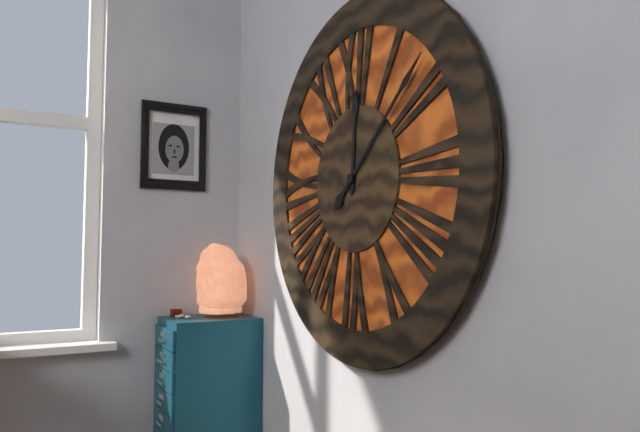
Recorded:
12.08
